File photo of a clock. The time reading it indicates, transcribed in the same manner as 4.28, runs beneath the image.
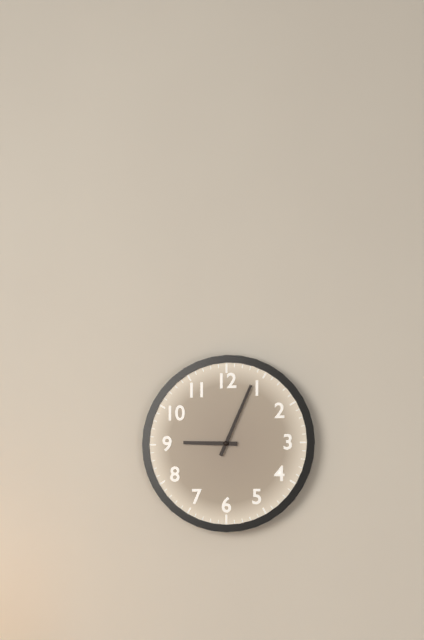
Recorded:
9.04
